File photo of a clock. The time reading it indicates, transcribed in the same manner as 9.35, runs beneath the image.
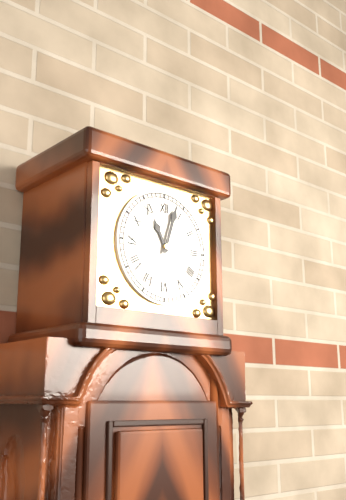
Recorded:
11.03
